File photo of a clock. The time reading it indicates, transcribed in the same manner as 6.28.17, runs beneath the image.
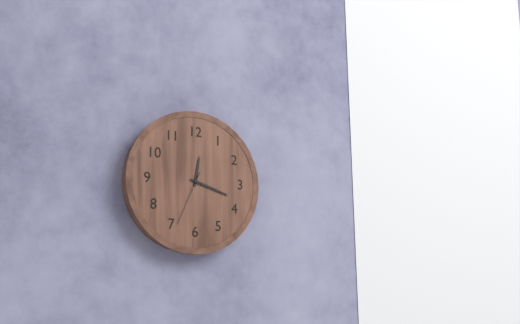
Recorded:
12.18.34
